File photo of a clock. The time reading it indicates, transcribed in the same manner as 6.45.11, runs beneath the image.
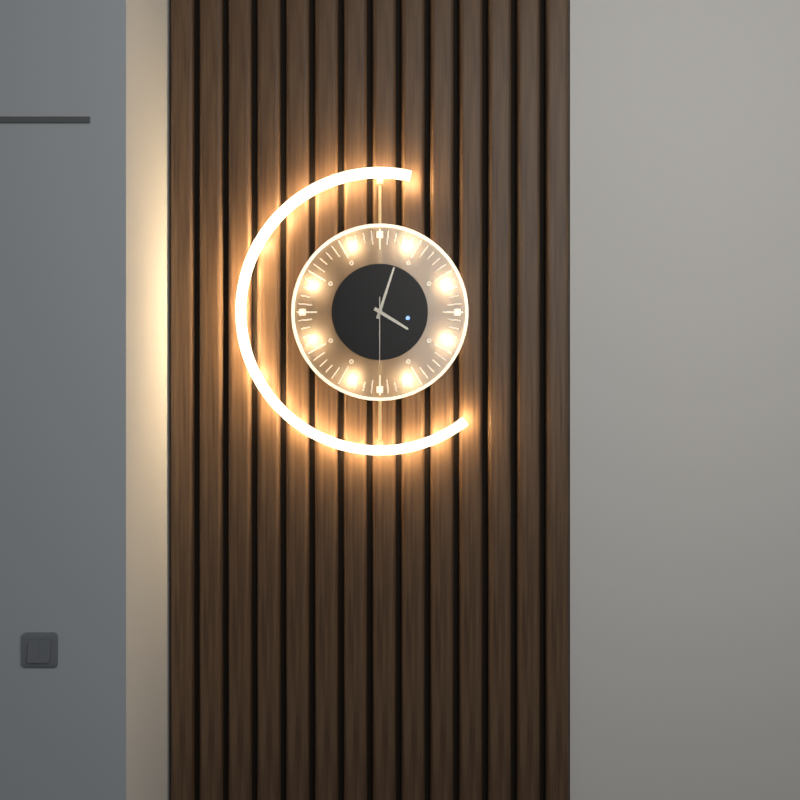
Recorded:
4.03.30
